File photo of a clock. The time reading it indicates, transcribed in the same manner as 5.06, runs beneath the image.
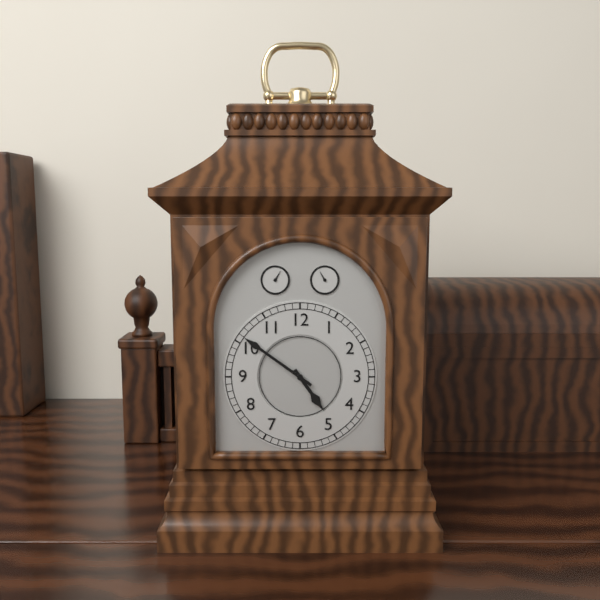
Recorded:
4.51
